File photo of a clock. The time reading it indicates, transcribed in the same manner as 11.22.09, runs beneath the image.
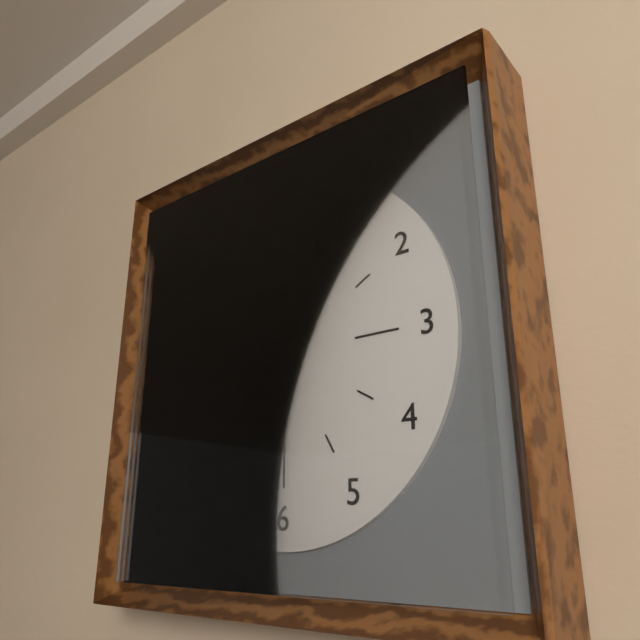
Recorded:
12.53.41
